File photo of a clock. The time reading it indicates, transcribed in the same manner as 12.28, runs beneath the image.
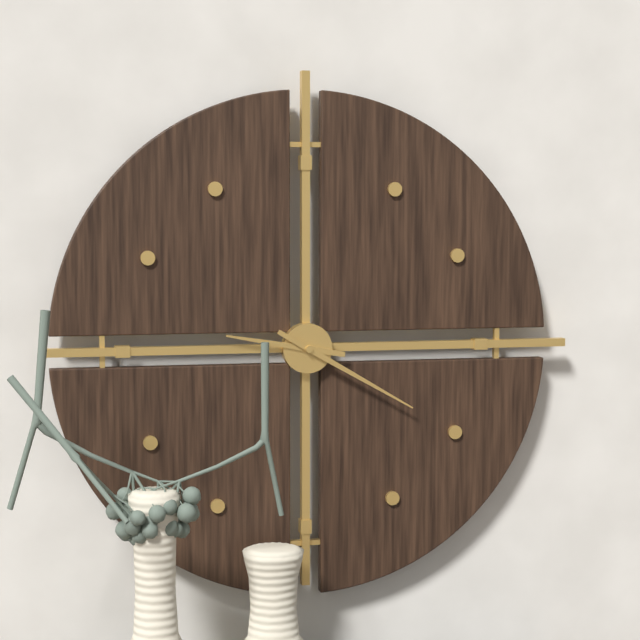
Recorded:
9.20
